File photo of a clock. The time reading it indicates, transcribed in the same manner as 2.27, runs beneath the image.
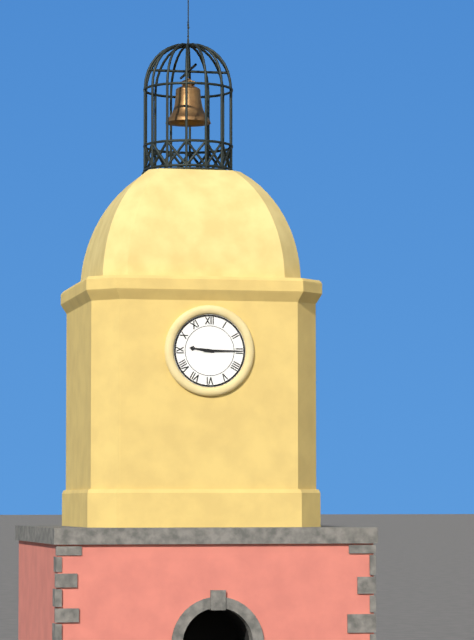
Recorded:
9.15
